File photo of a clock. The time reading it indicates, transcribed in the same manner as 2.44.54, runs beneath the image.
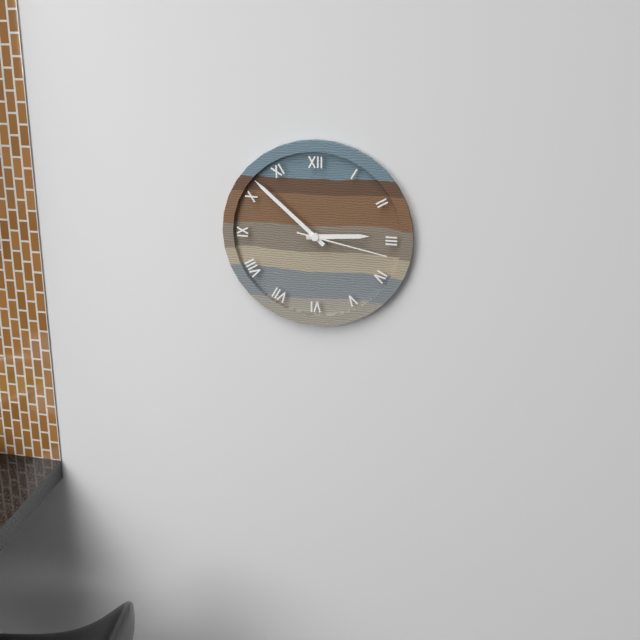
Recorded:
2.52.17
